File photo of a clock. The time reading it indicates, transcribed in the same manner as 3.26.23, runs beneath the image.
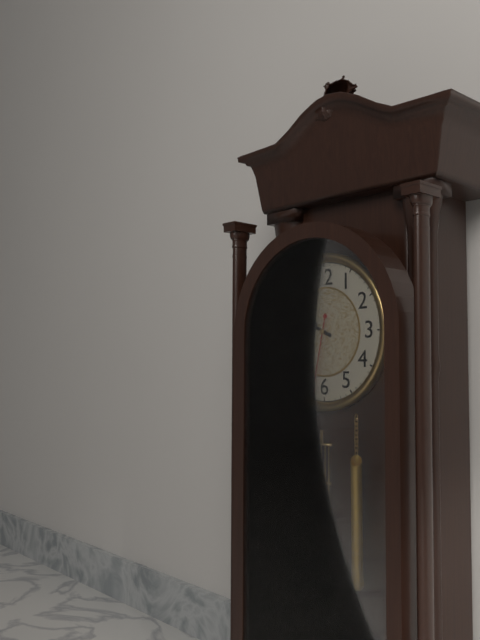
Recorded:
9.49.32
